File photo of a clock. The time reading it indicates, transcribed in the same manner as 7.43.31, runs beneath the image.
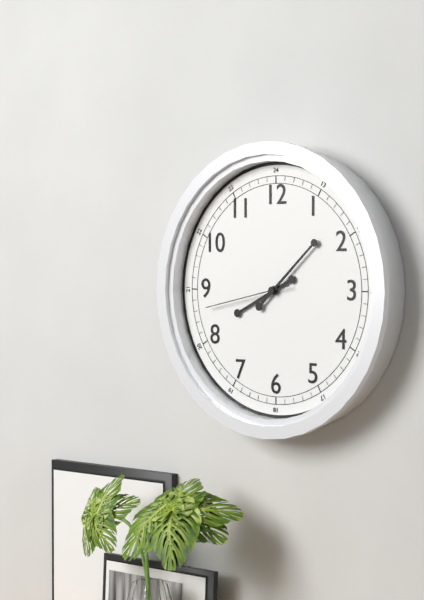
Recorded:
8.08.43
